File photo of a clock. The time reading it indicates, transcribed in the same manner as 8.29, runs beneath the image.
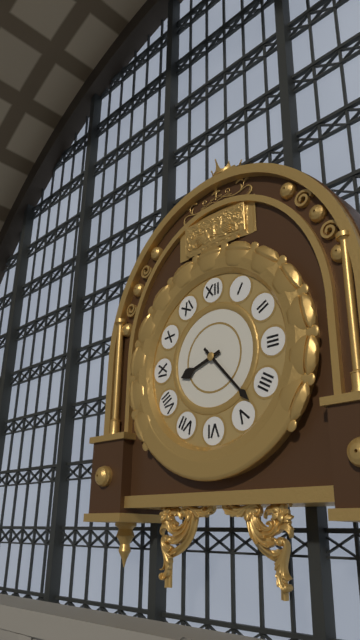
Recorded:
8.23
